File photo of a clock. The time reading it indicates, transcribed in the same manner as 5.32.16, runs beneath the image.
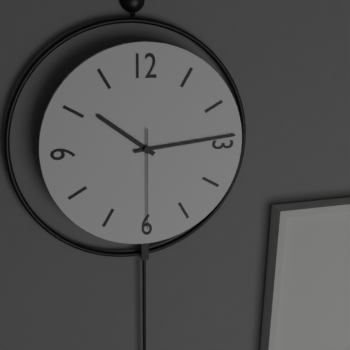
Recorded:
10.14.30
